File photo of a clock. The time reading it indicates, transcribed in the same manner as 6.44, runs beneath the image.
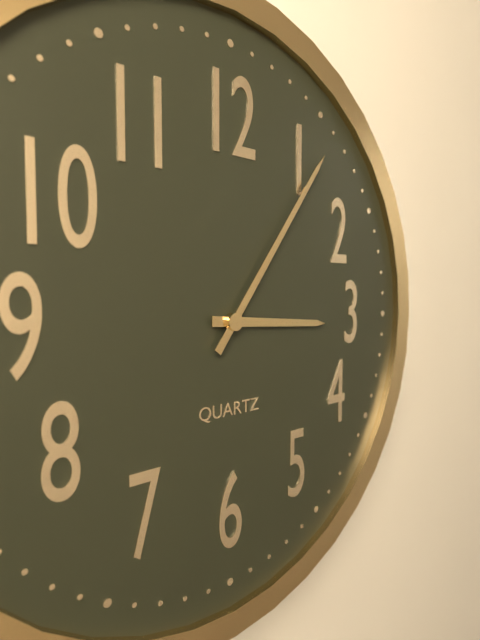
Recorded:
3.06
